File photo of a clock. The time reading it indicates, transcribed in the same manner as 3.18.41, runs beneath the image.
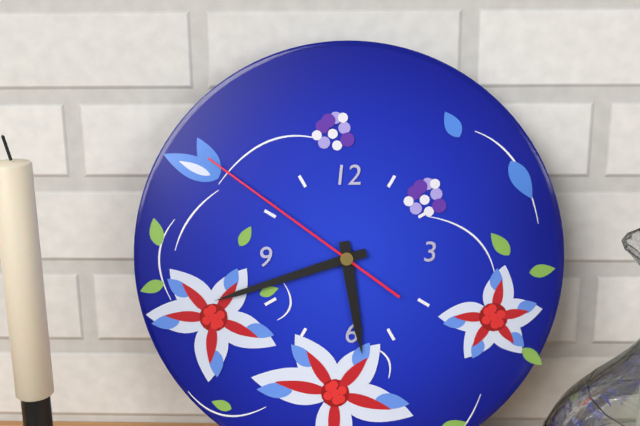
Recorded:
5.42.51
